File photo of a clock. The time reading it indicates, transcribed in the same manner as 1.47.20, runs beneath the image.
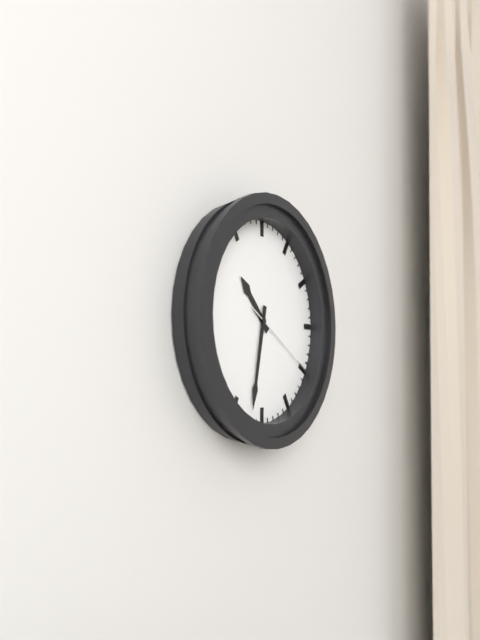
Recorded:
10.32.20
